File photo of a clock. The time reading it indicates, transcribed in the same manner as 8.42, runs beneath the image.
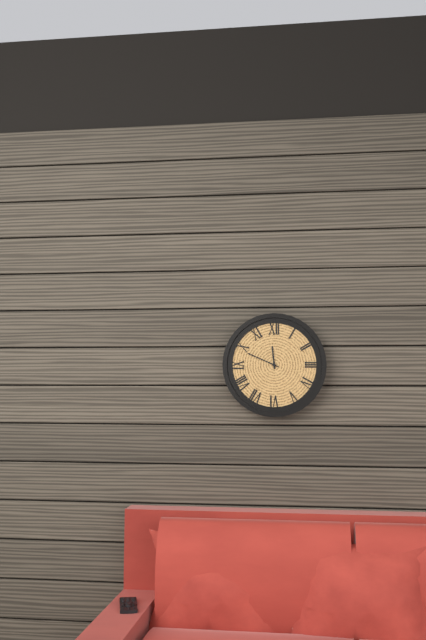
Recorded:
11.49
